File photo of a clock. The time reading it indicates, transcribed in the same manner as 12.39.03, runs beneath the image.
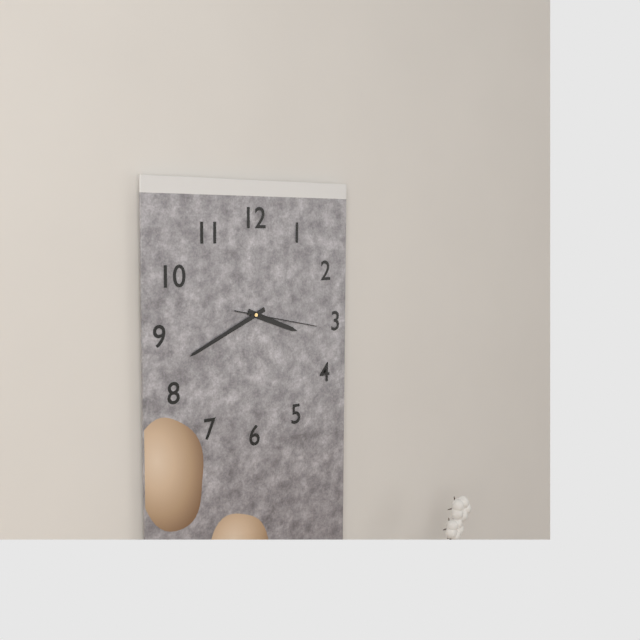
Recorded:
3.41.17
